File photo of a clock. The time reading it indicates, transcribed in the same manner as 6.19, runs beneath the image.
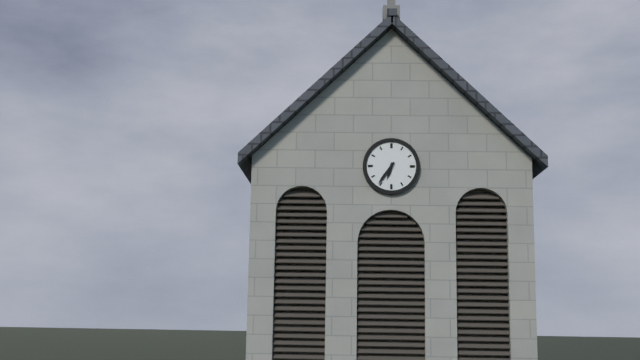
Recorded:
6.36
